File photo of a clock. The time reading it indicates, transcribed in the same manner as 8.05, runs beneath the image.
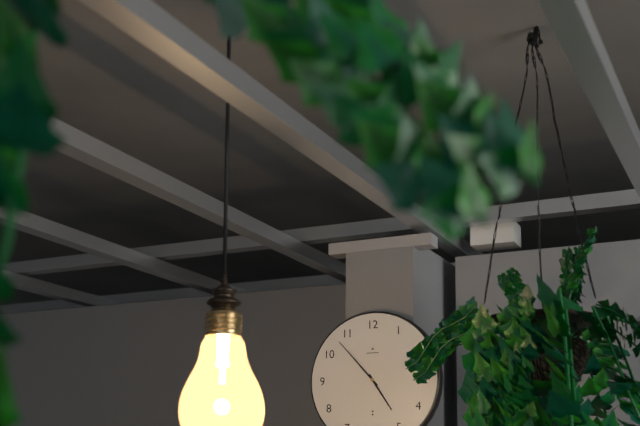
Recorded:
4.53
